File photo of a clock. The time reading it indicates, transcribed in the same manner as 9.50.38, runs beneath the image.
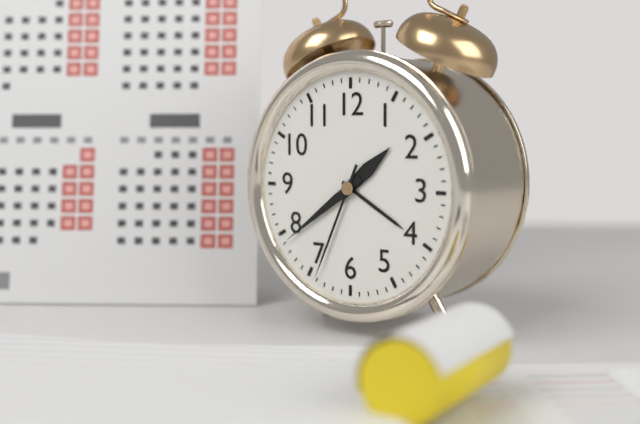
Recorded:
1.39.34
